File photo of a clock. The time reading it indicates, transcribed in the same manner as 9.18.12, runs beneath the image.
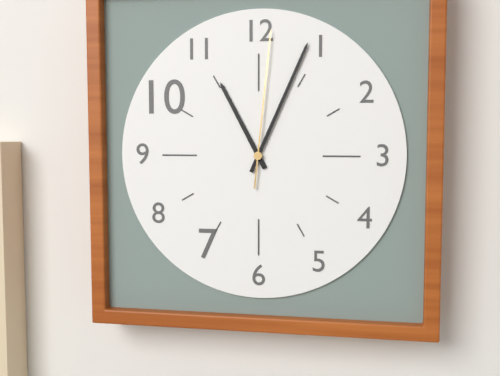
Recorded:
11.04.01
